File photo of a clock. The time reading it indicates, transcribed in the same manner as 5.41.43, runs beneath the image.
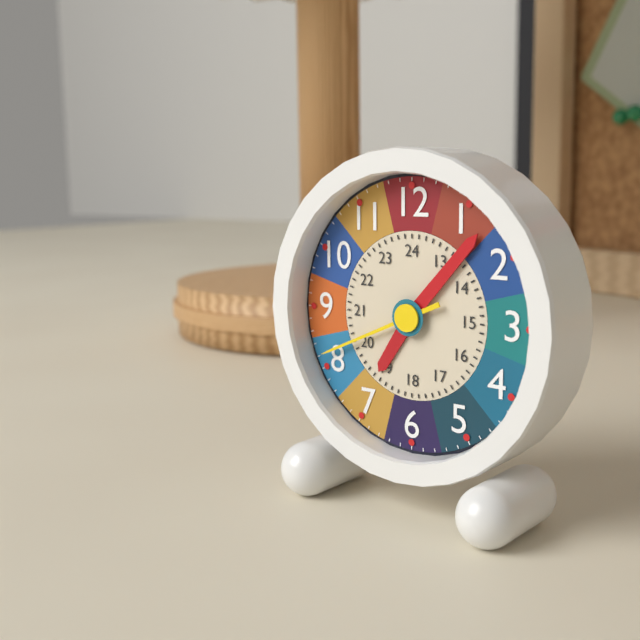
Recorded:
7.07.41
